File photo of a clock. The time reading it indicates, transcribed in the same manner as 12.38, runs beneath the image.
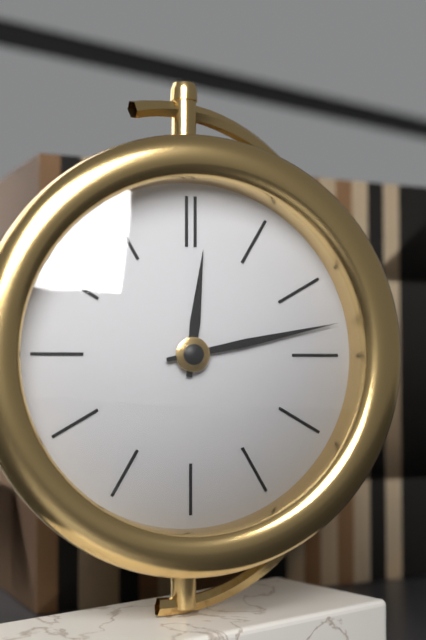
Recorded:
12.13
